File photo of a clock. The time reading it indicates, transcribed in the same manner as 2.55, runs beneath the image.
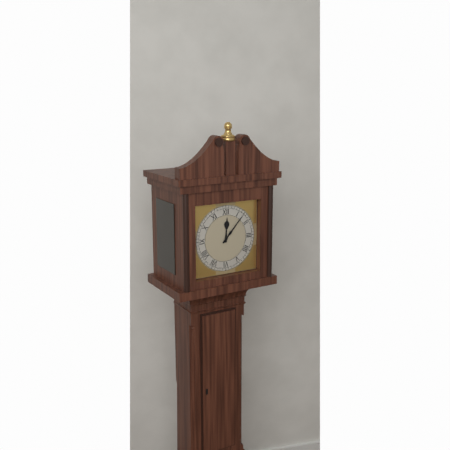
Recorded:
12.07
